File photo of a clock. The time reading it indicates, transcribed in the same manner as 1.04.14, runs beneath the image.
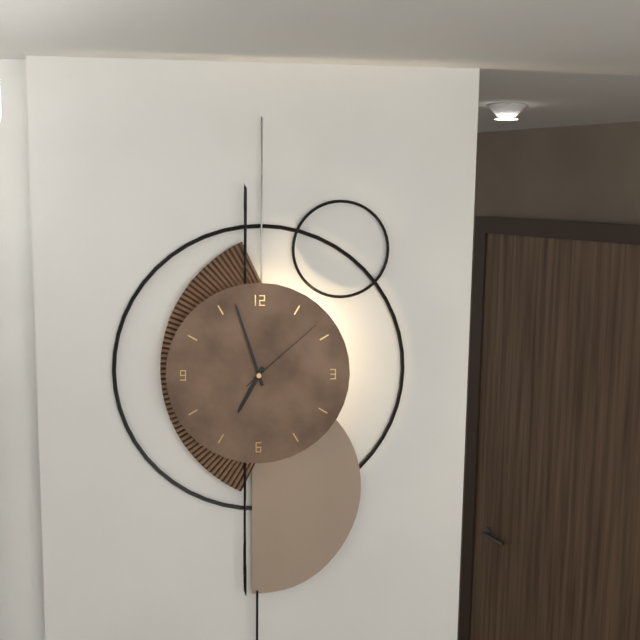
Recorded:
6.57.08
